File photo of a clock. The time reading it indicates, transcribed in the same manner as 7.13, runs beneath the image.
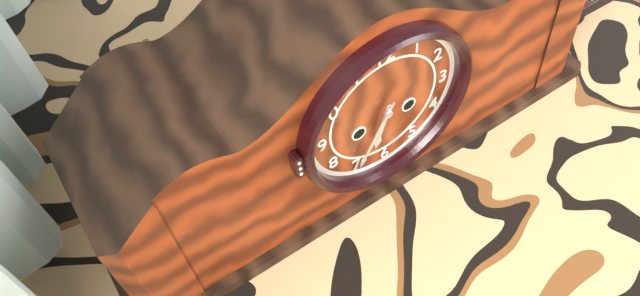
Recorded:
6.35
